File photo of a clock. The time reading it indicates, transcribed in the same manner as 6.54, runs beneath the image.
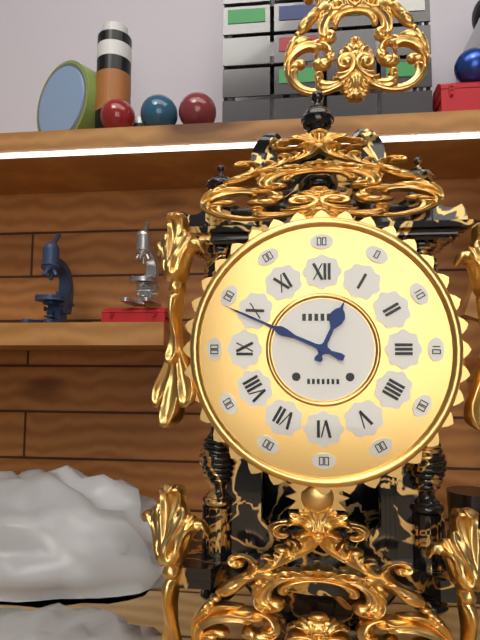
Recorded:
12.49
